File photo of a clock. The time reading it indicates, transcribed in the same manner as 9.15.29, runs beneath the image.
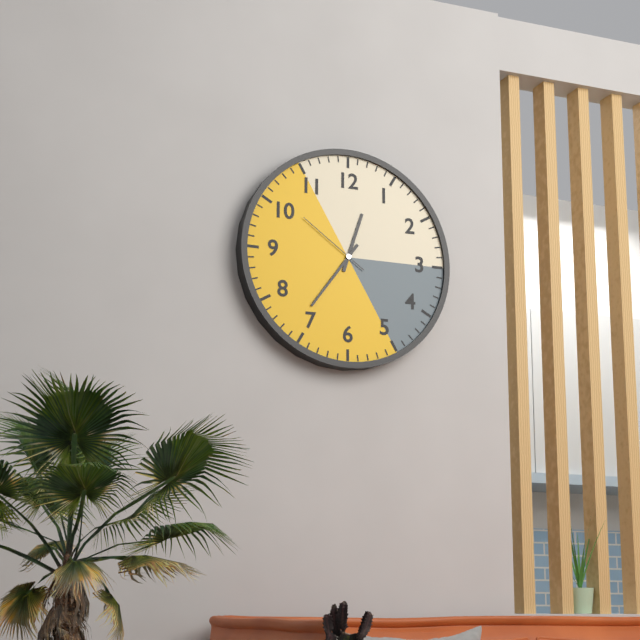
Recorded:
12.36.51
